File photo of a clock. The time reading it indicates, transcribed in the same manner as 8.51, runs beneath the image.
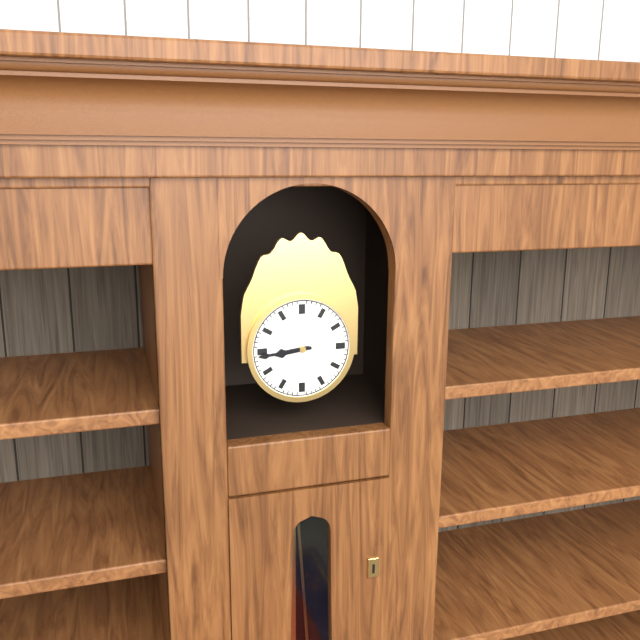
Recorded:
8.44
